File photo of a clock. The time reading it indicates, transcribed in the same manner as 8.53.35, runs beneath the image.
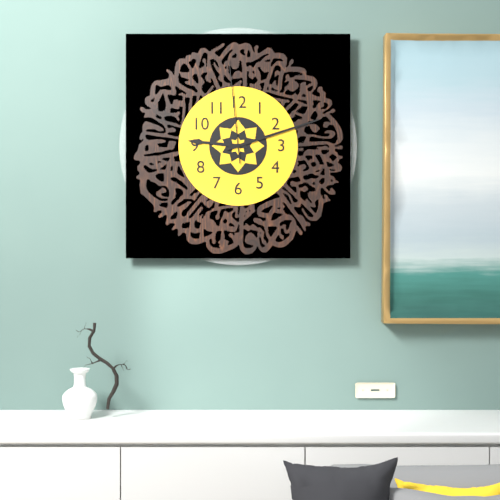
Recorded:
9.12.59
